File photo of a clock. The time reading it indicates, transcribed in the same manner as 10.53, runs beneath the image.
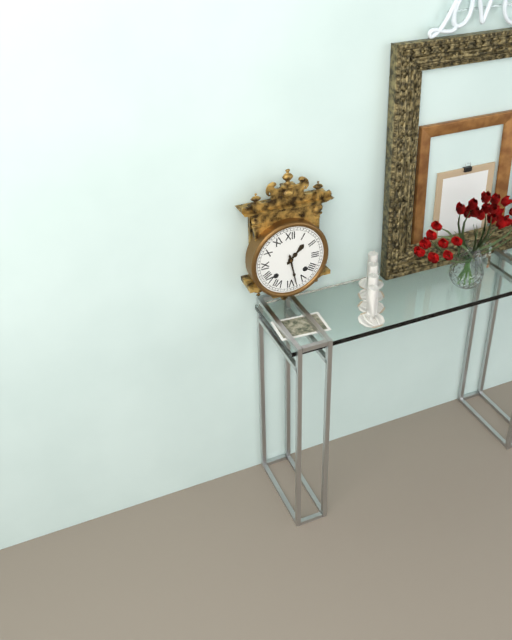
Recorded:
1.28
